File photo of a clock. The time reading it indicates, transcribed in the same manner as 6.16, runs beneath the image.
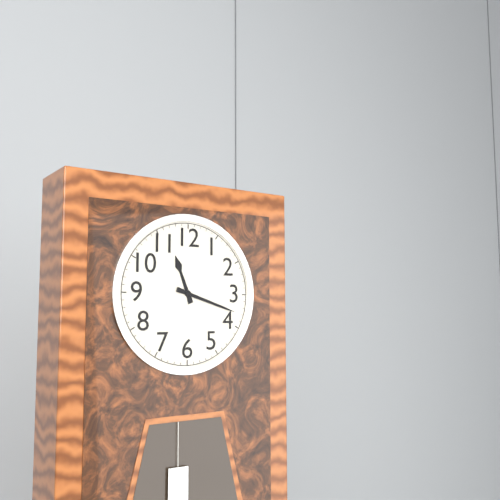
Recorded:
11.18
